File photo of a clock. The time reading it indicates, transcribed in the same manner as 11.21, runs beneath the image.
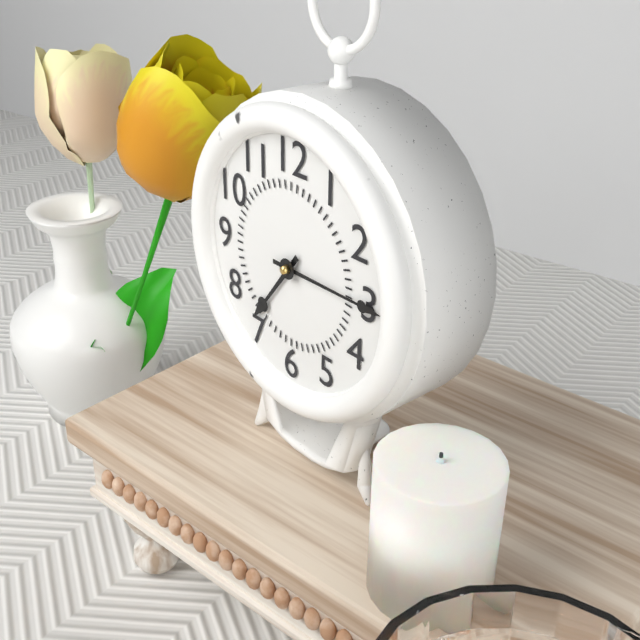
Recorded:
7.15
